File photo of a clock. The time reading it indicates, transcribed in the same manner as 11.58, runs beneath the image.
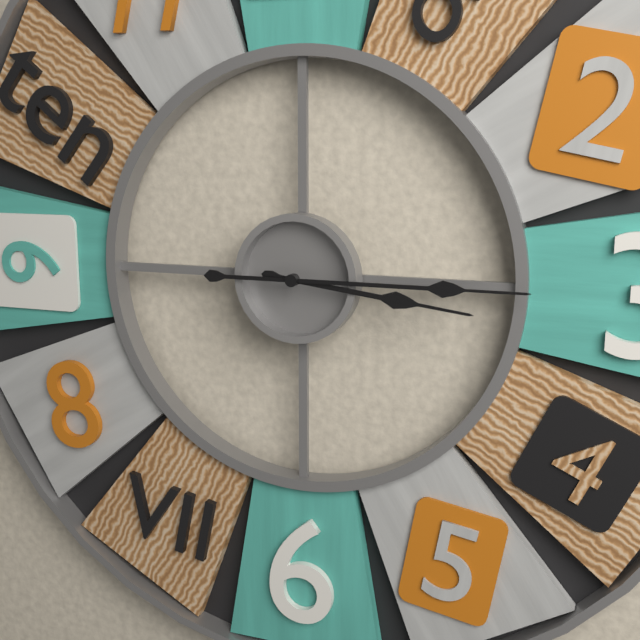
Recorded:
3.15
